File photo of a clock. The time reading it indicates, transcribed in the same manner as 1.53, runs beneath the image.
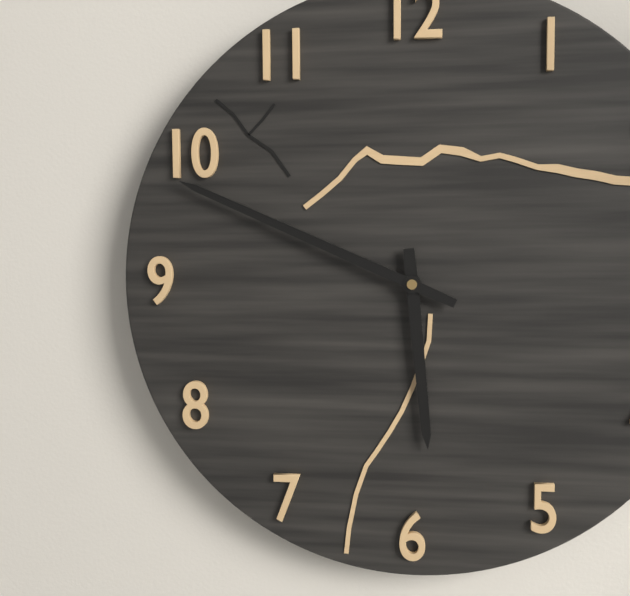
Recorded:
5.49
